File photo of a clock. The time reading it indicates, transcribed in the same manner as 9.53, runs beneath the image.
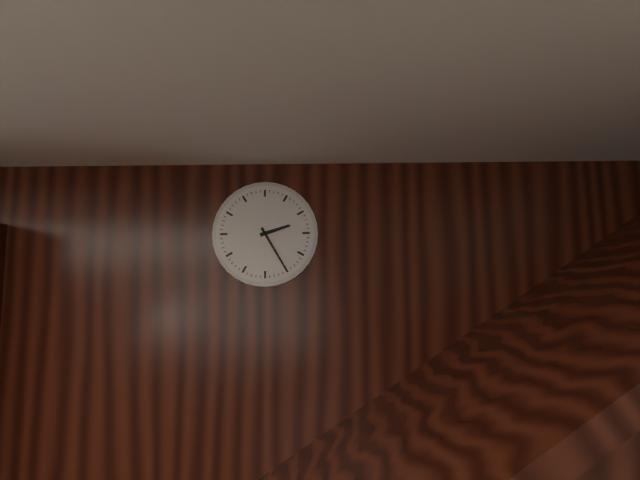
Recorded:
2.25
